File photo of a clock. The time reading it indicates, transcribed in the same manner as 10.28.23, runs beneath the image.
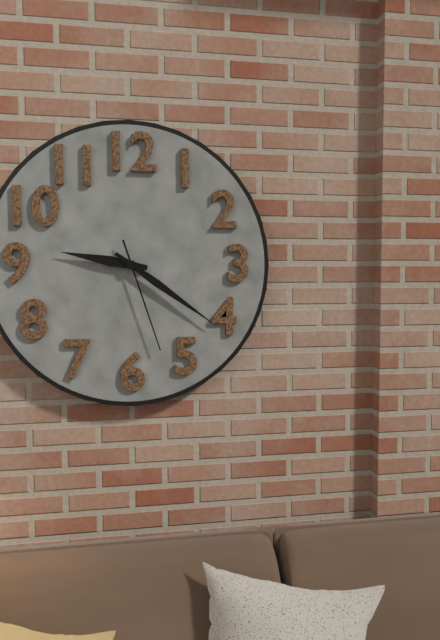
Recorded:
9.21.27
